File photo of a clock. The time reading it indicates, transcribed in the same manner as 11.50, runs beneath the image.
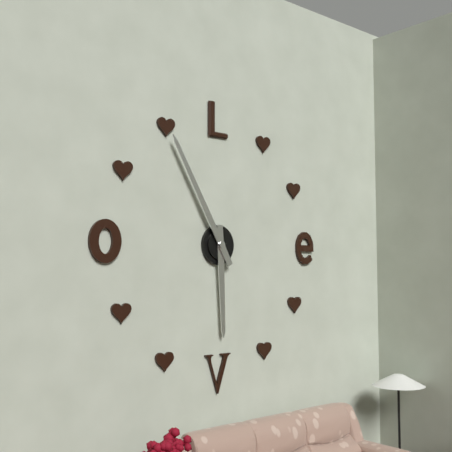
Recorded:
5.55
